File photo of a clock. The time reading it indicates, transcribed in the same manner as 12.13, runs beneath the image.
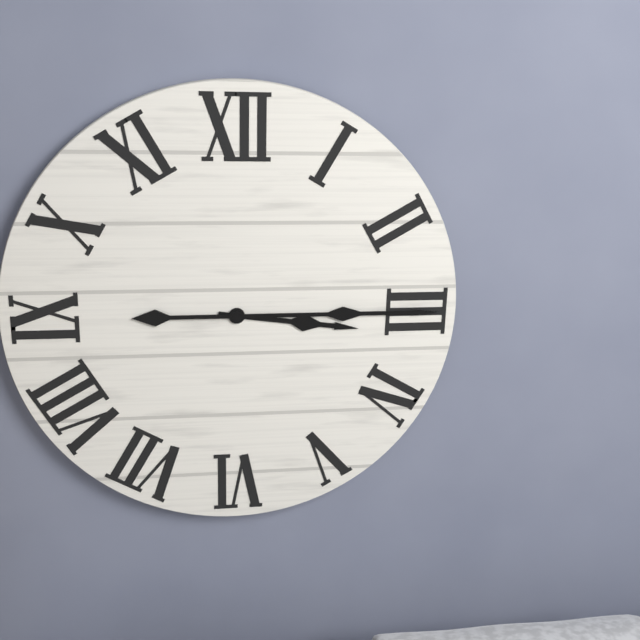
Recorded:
3.15
